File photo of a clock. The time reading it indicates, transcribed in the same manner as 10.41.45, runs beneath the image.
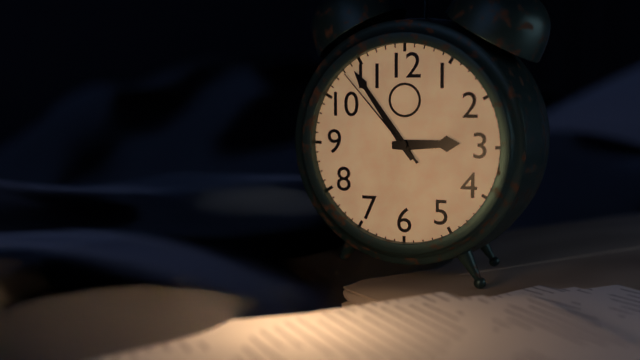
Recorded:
2.54.53
